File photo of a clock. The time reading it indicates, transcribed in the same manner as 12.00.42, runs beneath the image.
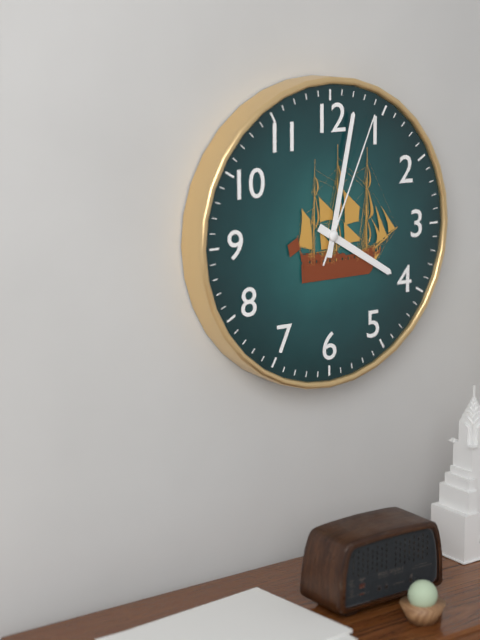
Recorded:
4.02.04
